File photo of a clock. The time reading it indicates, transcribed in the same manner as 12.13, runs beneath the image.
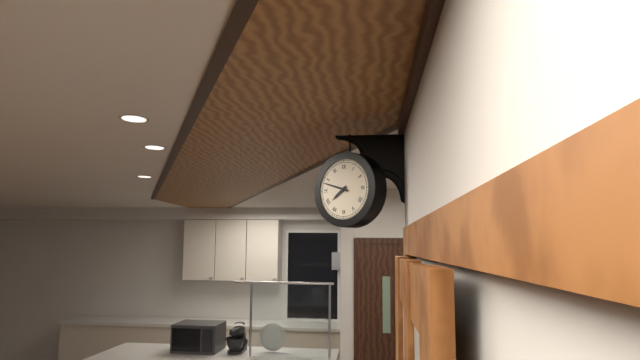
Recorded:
7.48
